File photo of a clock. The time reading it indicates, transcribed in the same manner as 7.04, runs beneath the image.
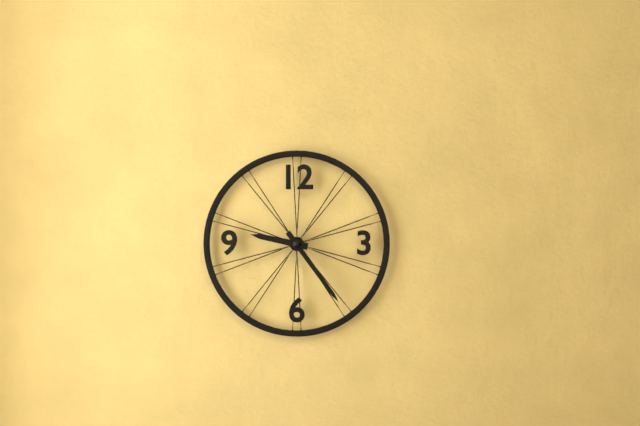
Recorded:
9.24
